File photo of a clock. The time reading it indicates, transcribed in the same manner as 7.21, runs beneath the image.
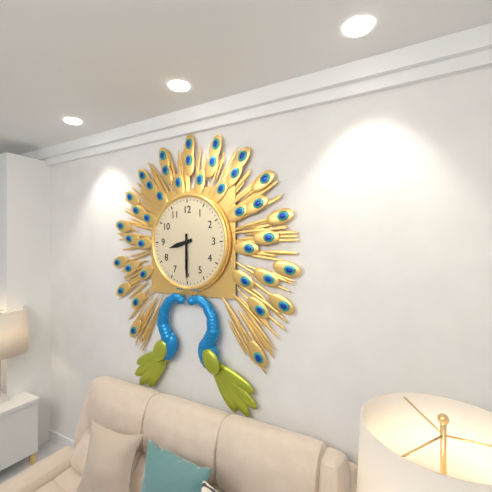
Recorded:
8.30
